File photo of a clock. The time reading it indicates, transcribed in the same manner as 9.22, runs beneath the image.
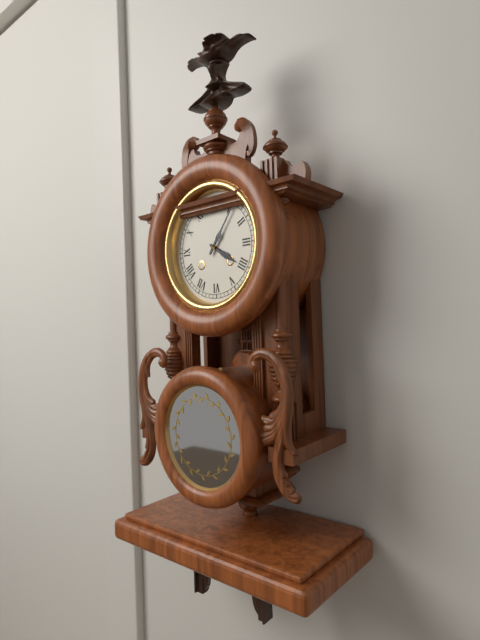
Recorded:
4.06
